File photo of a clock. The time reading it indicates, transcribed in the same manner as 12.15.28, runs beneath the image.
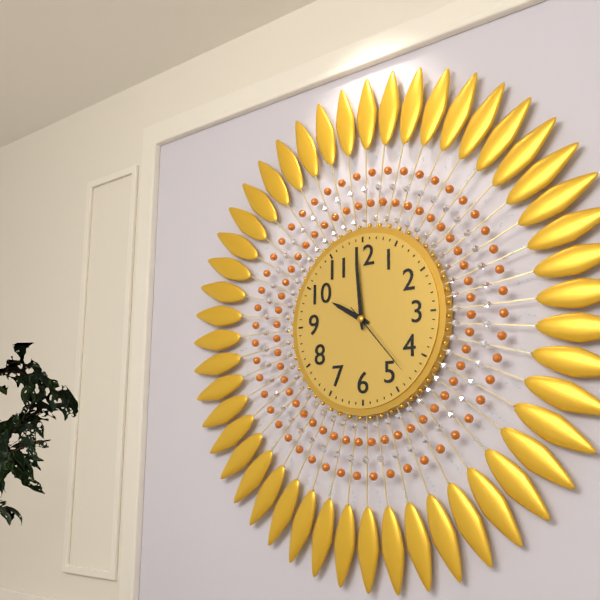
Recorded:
9.59.23
